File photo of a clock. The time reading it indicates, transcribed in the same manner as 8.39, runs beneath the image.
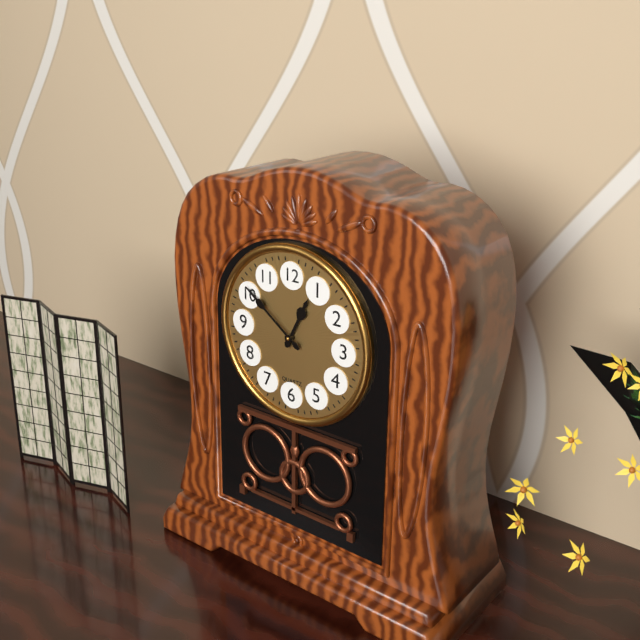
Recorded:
12.51
